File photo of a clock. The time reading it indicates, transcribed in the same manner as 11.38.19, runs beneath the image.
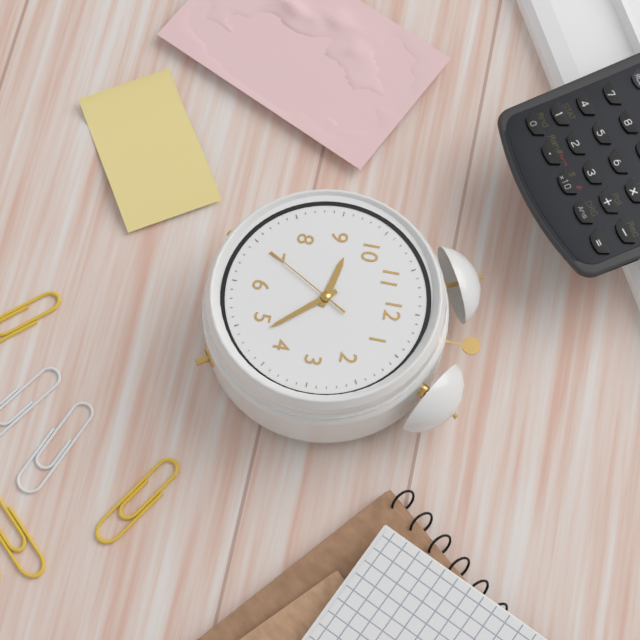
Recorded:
9.23.35
